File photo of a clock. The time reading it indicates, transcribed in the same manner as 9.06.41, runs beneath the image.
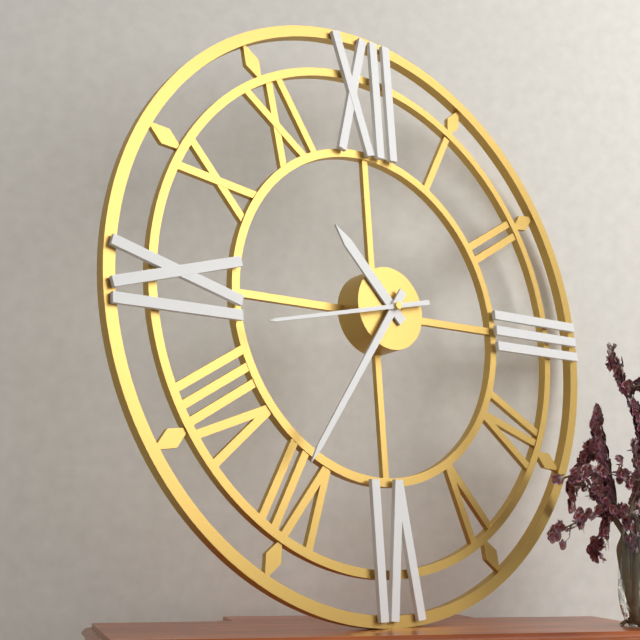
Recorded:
10.36.43
